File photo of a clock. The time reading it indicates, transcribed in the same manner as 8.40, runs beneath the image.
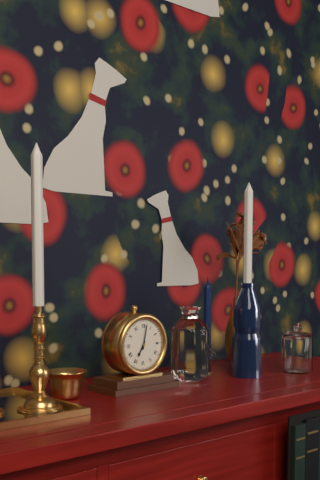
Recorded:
7.02
